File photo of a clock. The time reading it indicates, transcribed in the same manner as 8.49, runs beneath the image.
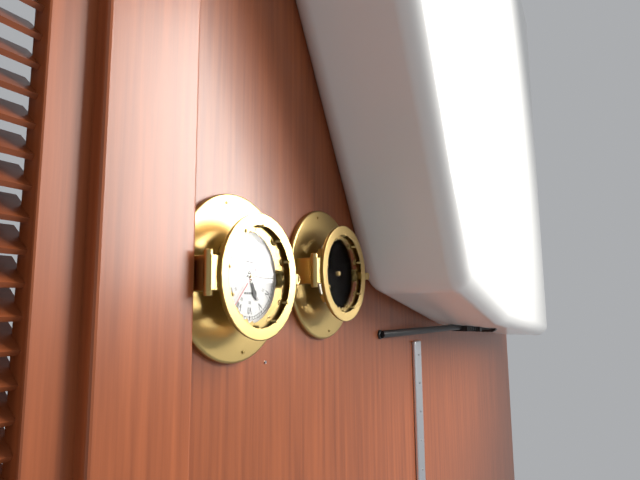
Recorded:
5.15
